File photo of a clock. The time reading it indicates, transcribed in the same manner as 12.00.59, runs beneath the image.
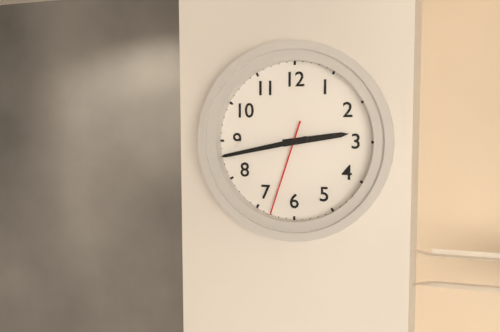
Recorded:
2.43.33
